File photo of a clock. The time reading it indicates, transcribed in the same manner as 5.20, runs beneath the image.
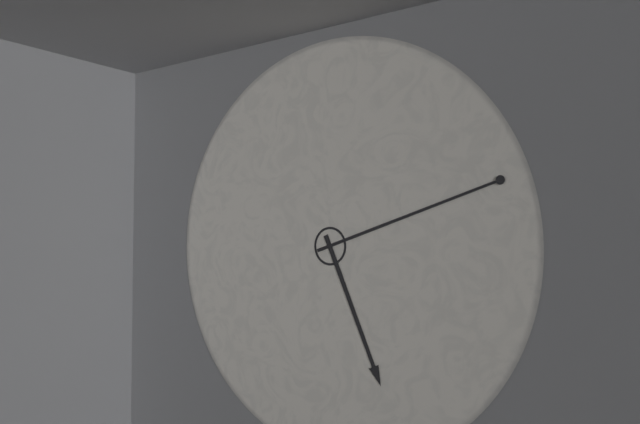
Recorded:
5.12
